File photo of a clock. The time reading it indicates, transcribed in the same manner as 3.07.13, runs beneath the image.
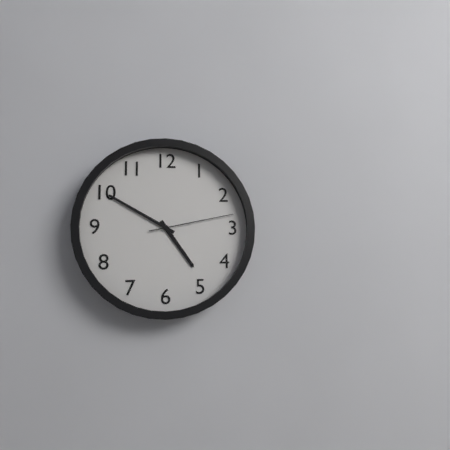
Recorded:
4.50.13
